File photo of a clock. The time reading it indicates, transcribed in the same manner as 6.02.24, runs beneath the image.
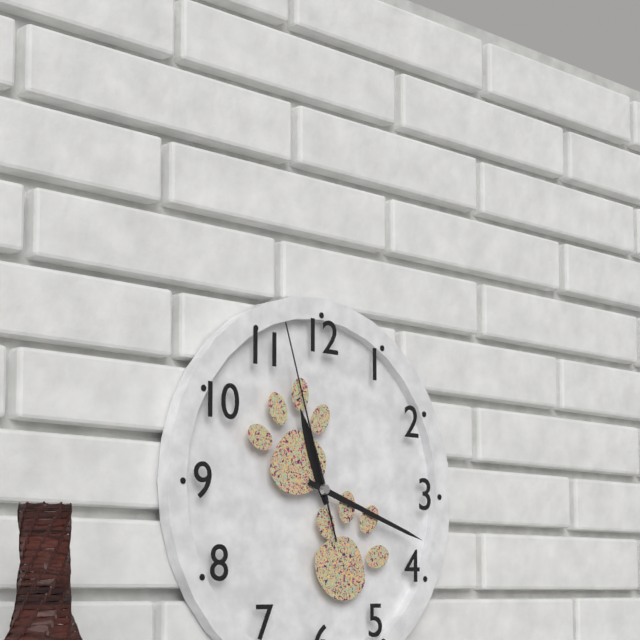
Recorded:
11.18.57
